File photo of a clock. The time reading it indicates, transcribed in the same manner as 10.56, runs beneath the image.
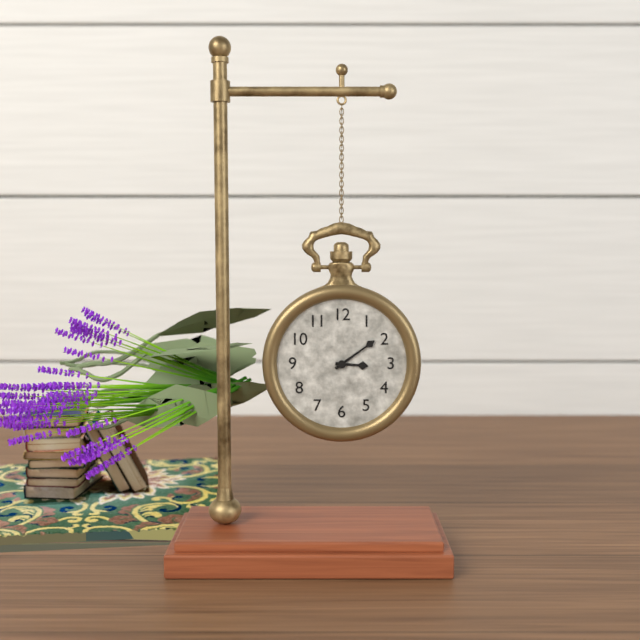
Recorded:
3.09
